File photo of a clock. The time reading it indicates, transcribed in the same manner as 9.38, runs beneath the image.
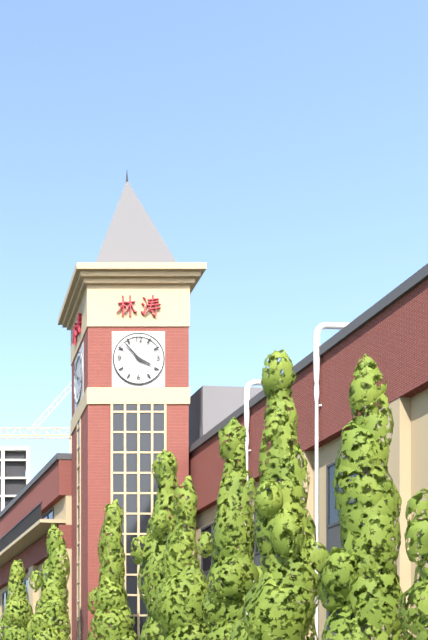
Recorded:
3.53
